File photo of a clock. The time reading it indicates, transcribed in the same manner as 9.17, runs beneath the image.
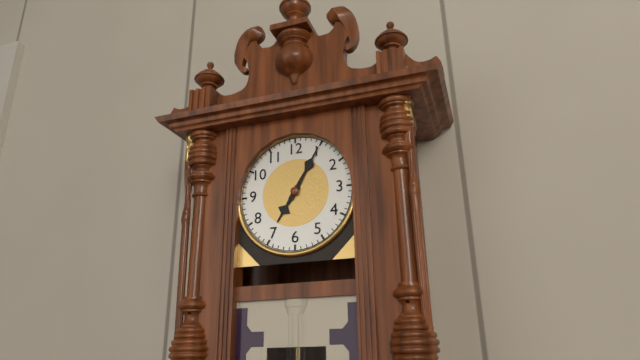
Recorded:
7.05
